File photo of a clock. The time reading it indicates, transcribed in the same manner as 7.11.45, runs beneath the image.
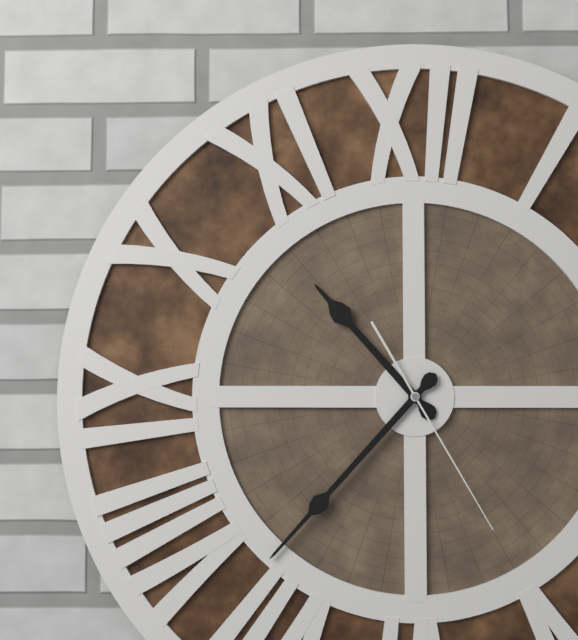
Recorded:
10.37.25
